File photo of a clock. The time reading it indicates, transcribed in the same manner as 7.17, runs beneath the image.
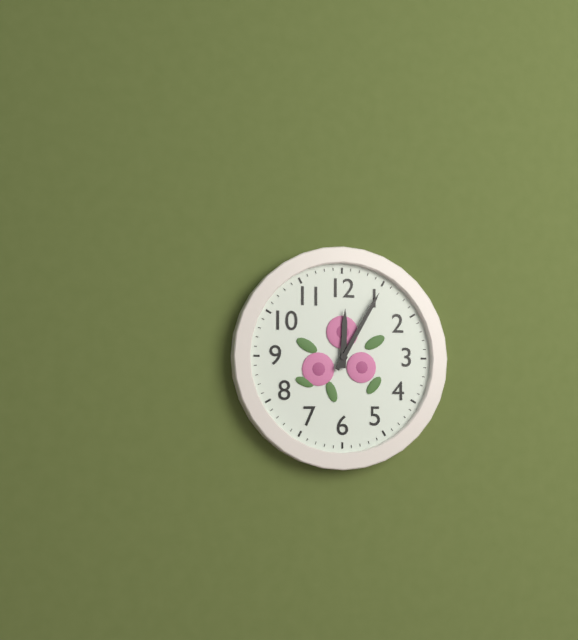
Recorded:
12.05
